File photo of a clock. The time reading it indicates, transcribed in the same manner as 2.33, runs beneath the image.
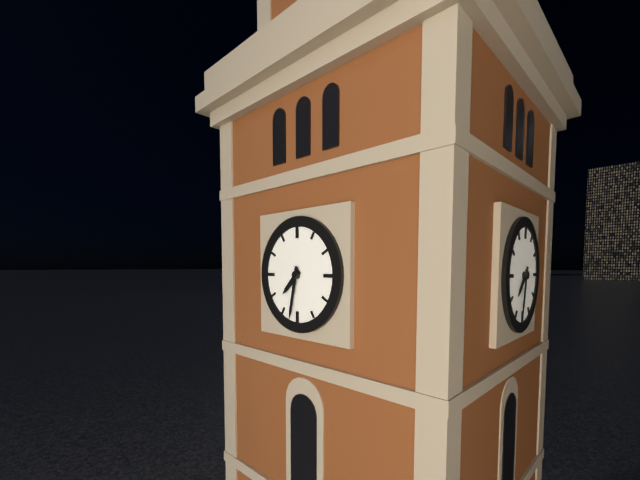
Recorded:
7.32
